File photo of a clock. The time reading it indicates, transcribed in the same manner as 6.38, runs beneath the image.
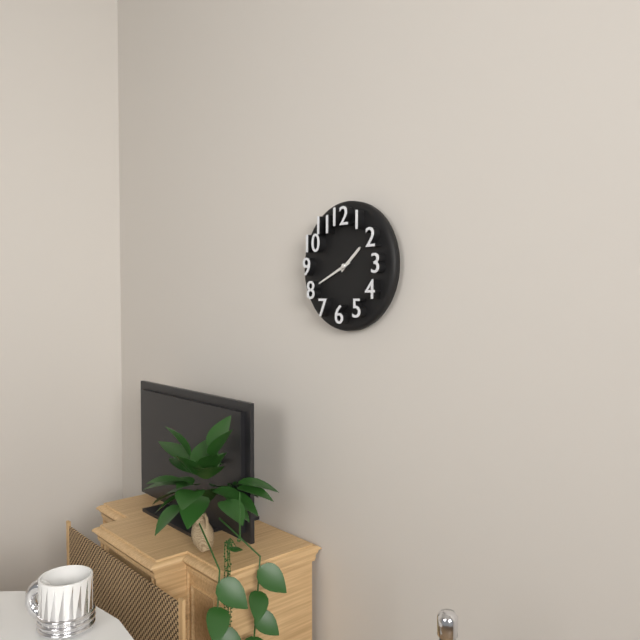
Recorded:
1.41
